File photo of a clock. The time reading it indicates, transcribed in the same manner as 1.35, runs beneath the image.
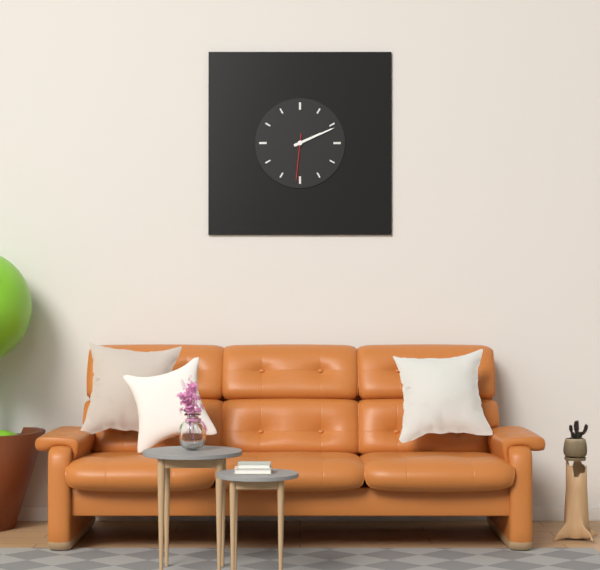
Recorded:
2.11
